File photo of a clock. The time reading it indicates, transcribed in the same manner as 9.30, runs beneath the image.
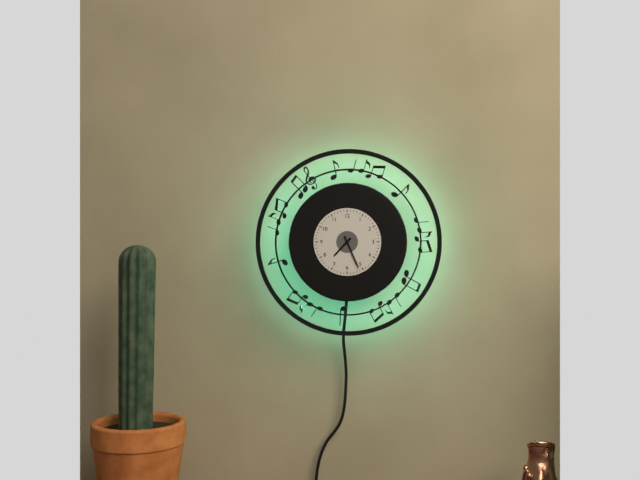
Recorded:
7.26
